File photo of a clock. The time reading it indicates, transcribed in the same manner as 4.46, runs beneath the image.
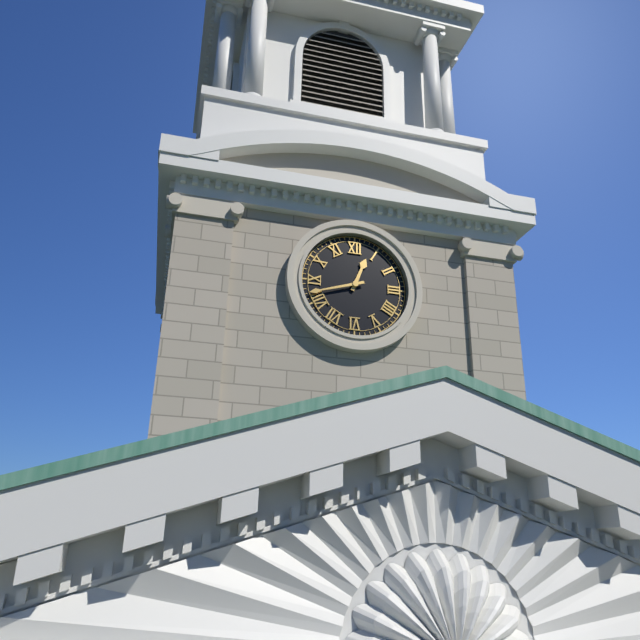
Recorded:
12.42
